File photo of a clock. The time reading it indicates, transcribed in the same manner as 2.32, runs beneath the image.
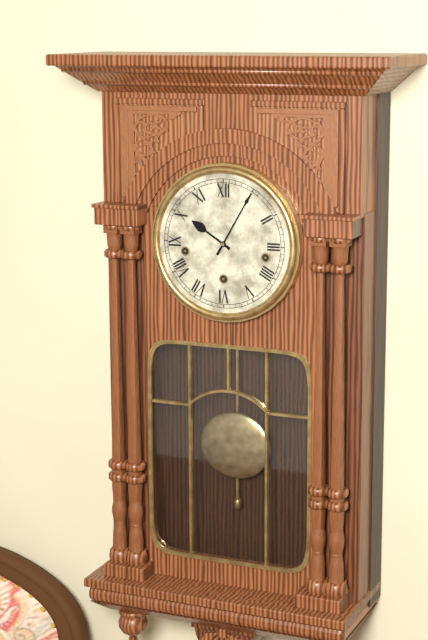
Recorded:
10.05
